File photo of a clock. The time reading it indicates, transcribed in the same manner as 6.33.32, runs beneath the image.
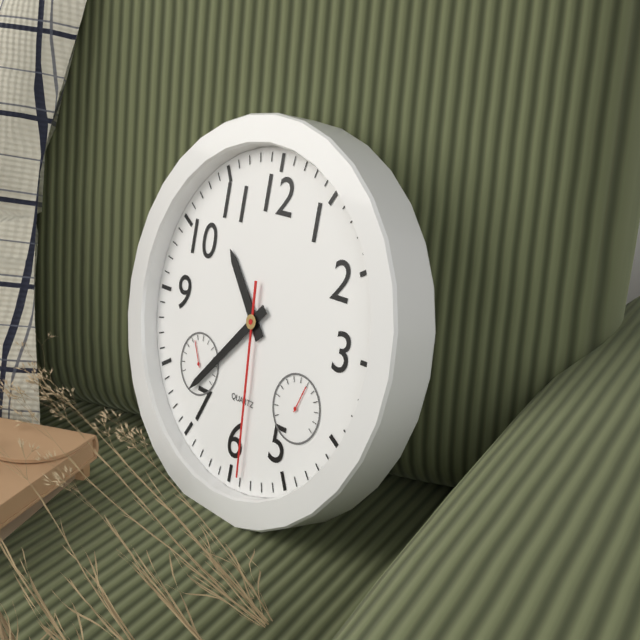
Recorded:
10.37.29
